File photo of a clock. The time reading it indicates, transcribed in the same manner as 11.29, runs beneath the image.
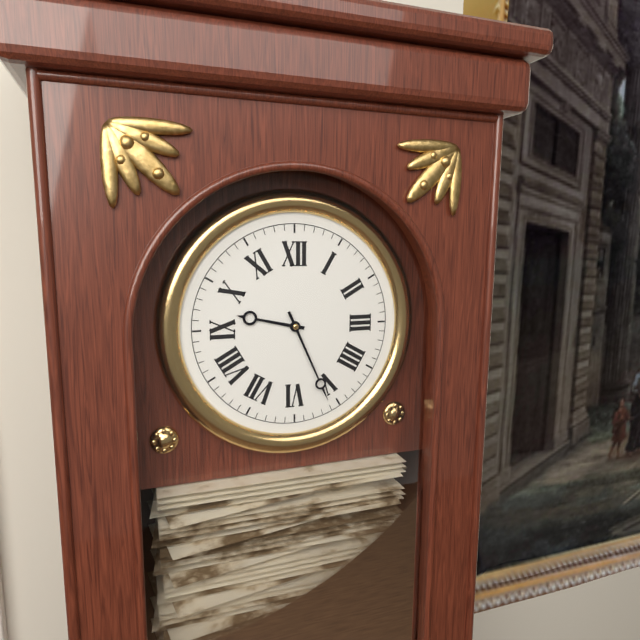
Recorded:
9.26
